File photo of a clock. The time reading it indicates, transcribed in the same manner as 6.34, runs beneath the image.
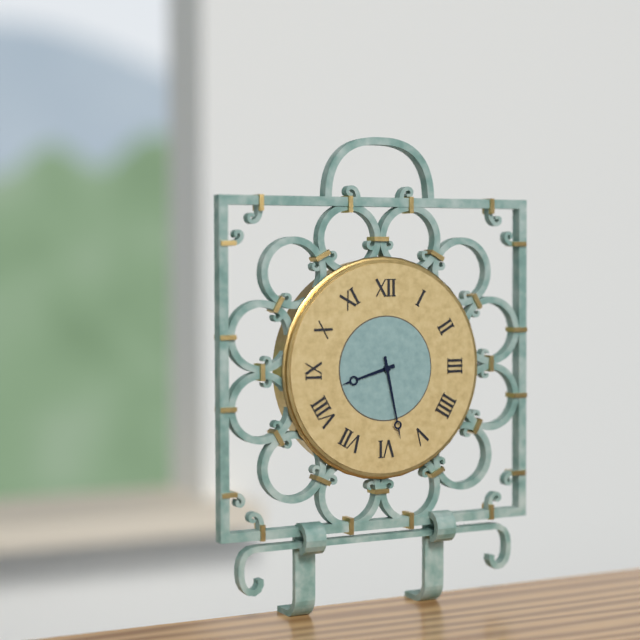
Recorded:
8.28
